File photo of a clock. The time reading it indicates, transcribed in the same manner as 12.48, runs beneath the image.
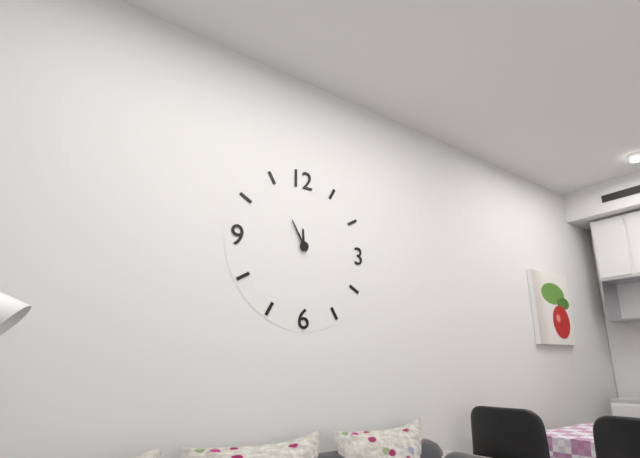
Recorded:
11.55
